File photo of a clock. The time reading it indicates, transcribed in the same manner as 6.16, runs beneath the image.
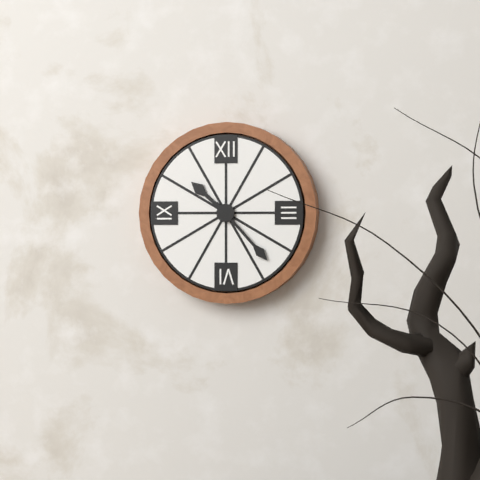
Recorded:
10.23
